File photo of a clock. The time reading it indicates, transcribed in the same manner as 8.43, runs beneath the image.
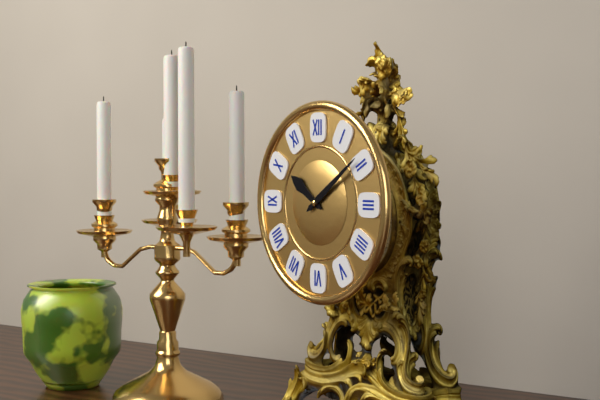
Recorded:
10.09
